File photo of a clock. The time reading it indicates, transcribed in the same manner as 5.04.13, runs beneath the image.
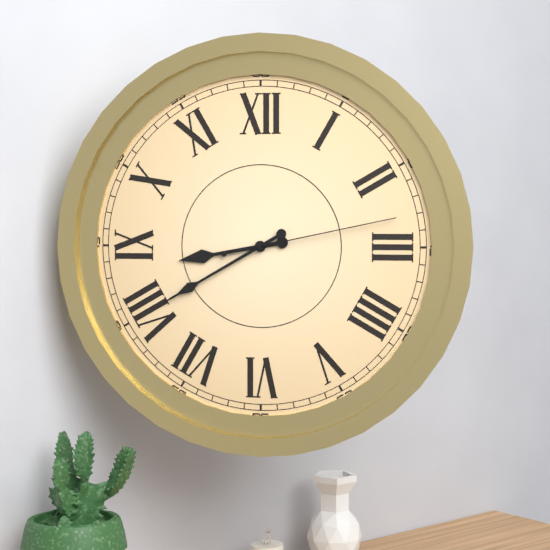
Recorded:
8.40.13
